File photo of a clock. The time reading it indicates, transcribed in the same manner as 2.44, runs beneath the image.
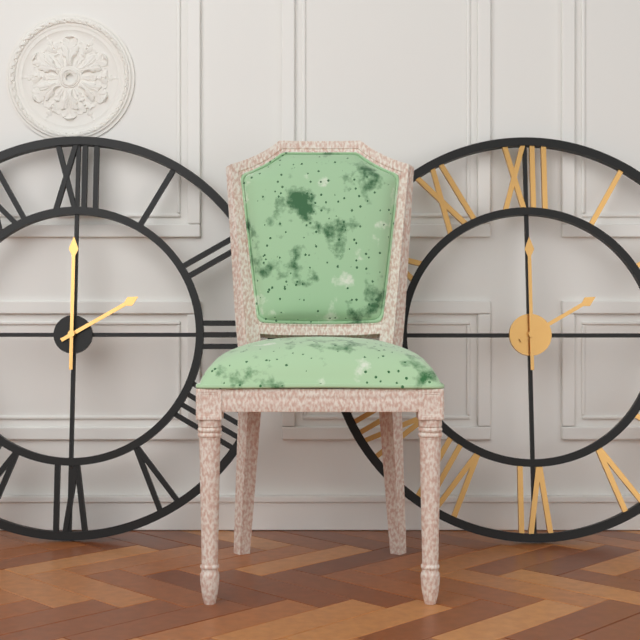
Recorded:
2.00
